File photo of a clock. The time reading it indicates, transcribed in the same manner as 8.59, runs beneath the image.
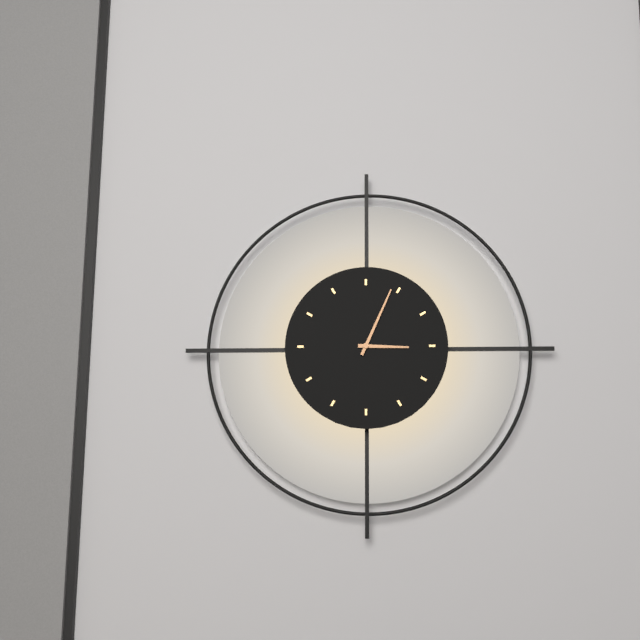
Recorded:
3.04
